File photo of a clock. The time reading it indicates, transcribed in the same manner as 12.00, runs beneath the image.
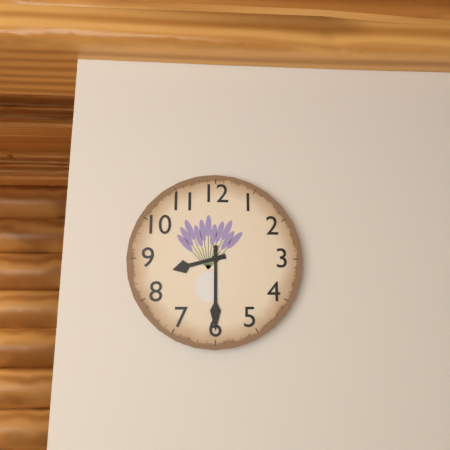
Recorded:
8.30
